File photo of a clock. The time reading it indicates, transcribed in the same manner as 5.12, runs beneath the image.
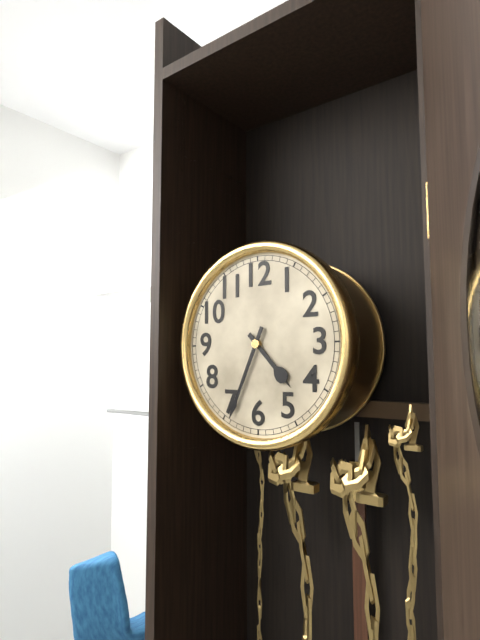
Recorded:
4.34
